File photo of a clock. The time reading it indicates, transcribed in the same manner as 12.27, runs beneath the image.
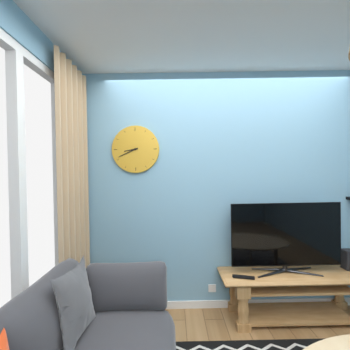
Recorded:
8.41
